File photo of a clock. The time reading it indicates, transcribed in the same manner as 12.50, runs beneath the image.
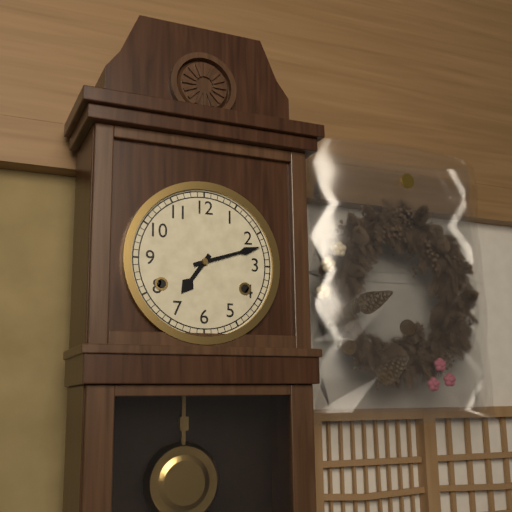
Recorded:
7.12
